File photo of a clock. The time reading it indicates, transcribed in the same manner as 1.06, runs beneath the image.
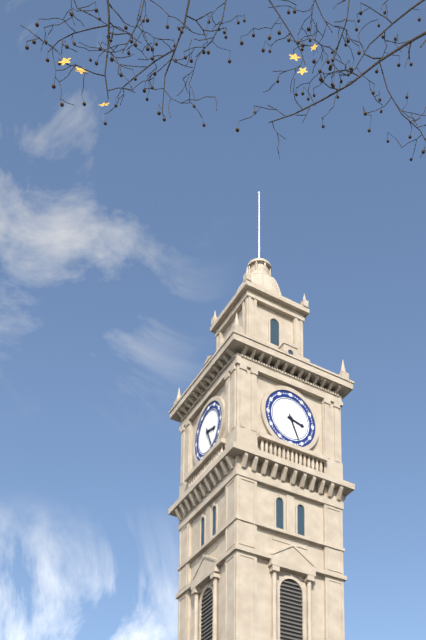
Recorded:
3.26
